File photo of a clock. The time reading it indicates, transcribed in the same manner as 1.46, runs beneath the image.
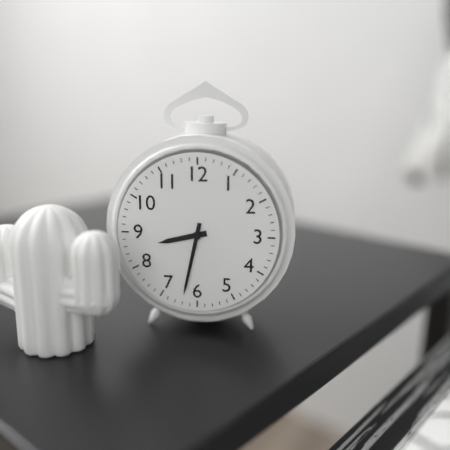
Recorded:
8.32
